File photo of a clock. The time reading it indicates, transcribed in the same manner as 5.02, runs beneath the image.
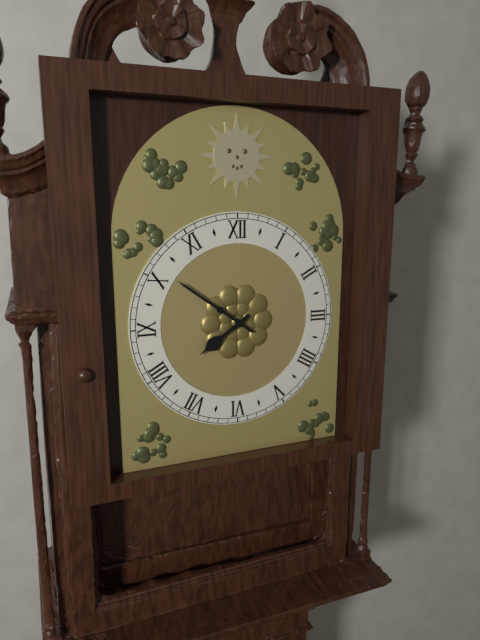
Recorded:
7.51
